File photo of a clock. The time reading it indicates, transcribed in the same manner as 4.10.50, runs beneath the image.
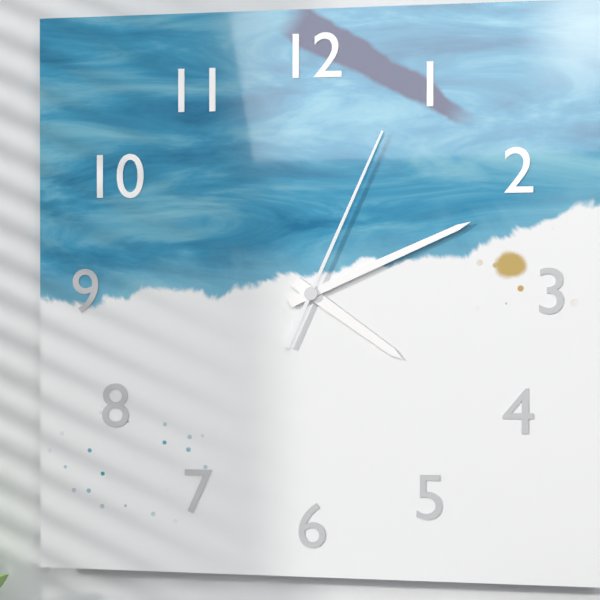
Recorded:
4.11.04
